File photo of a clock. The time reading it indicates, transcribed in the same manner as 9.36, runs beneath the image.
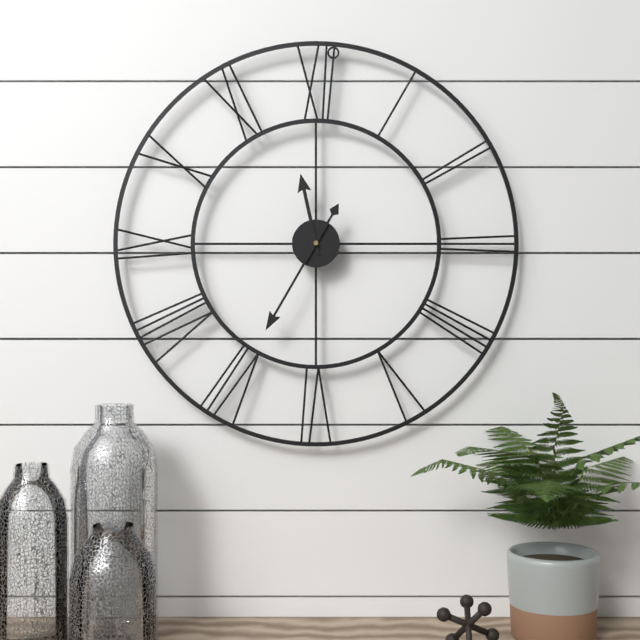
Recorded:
11.35
